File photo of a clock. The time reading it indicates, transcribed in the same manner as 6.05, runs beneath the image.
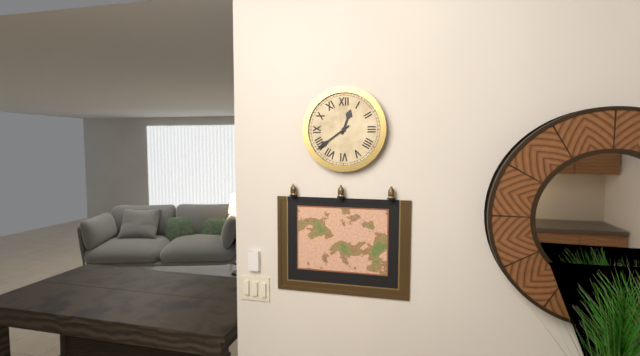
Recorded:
12.39
